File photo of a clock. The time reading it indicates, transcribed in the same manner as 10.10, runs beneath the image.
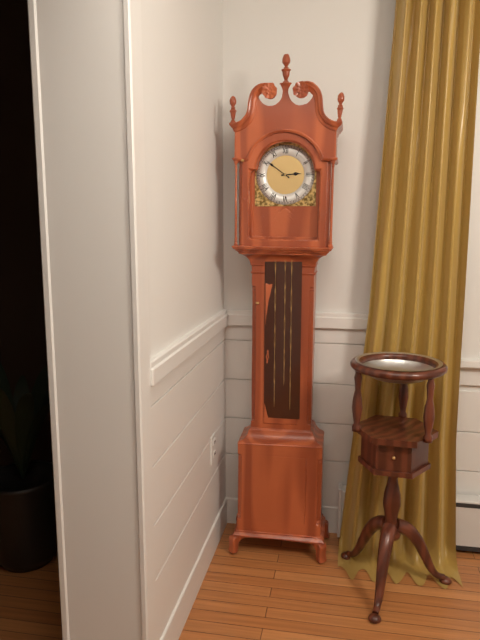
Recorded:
2.51
